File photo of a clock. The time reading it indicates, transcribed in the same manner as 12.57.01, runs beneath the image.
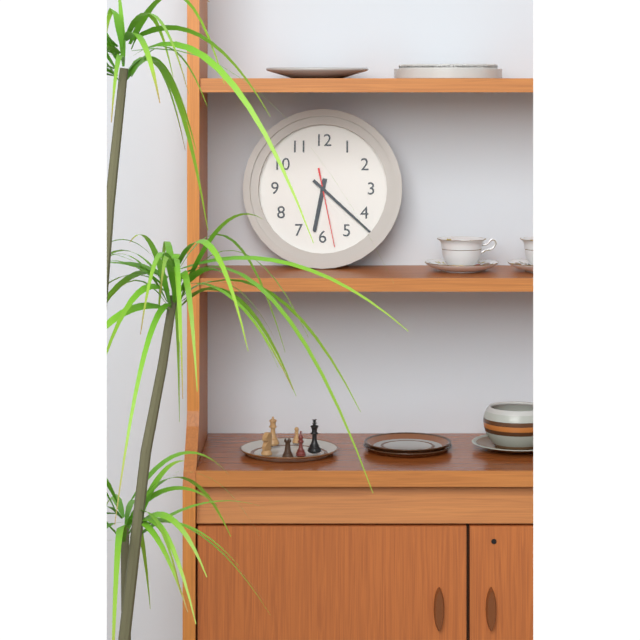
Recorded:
6.22.28
